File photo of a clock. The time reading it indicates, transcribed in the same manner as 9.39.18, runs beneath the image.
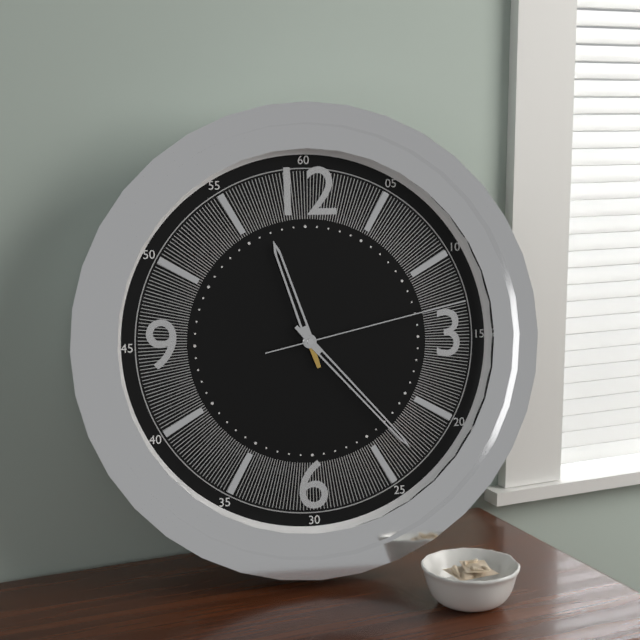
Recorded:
11.23.13
